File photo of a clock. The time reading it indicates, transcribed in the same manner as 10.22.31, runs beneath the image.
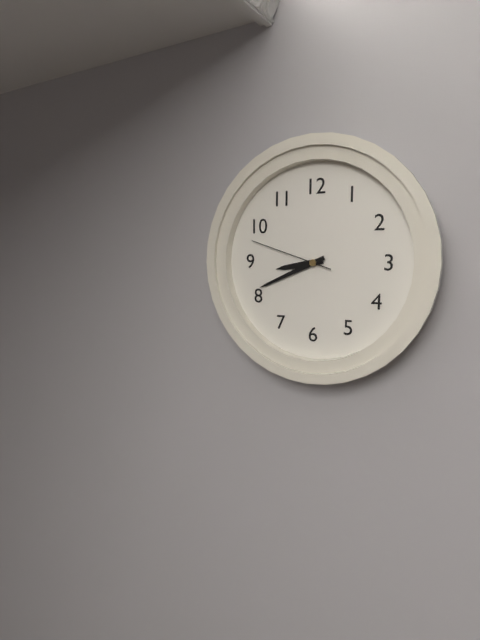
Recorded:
8.41.48
